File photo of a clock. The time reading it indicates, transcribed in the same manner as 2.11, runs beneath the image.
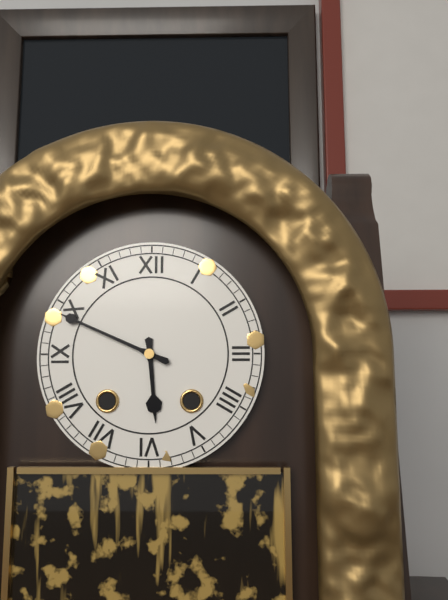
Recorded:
5.49
